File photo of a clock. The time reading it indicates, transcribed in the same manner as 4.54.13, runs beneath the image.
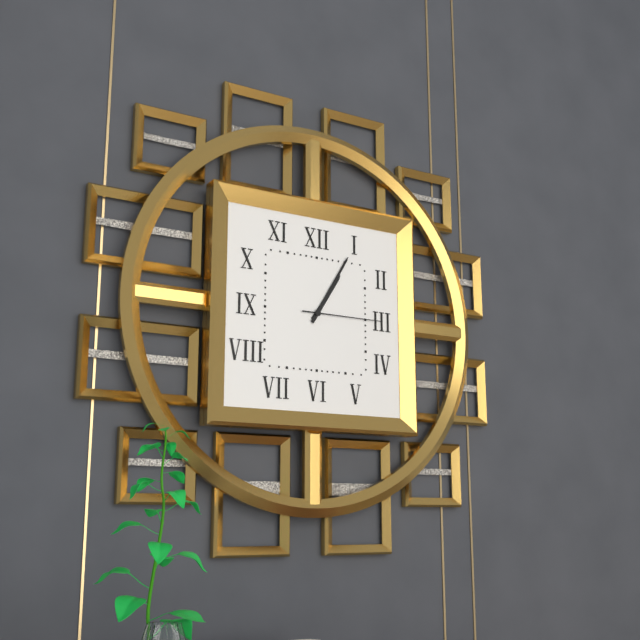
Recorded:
1.05.15
